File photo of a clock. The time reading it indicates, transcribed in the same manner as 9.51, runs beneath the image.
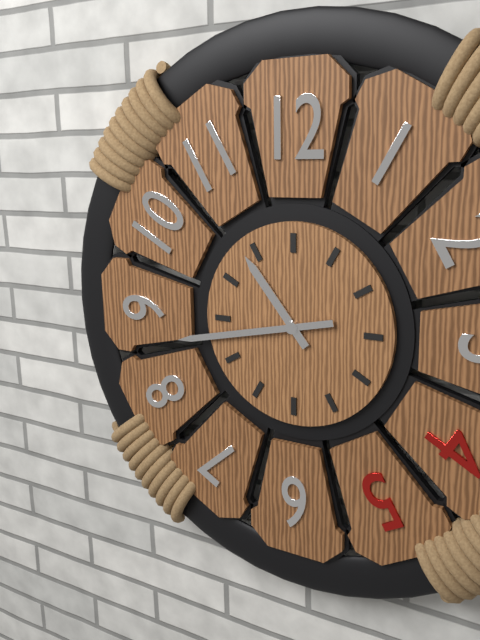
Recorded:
10.43
